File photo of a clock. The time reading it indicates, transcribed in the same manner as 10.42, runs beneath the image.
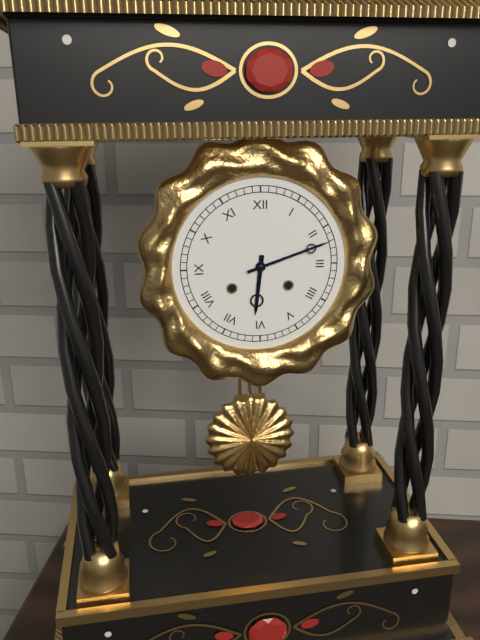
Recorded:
6.12
